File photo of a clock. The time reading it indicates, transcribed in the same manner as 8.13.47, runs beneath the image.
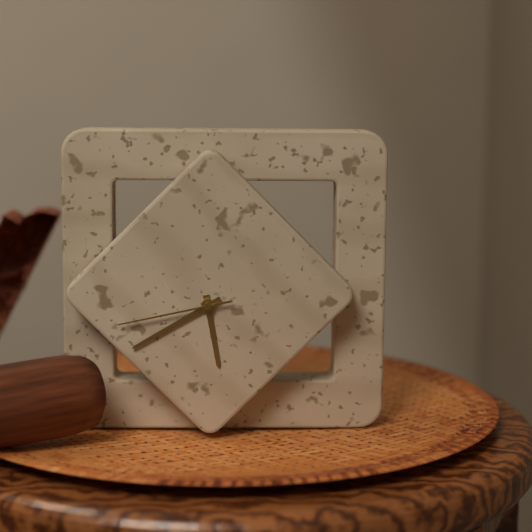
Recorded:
5.40.43
